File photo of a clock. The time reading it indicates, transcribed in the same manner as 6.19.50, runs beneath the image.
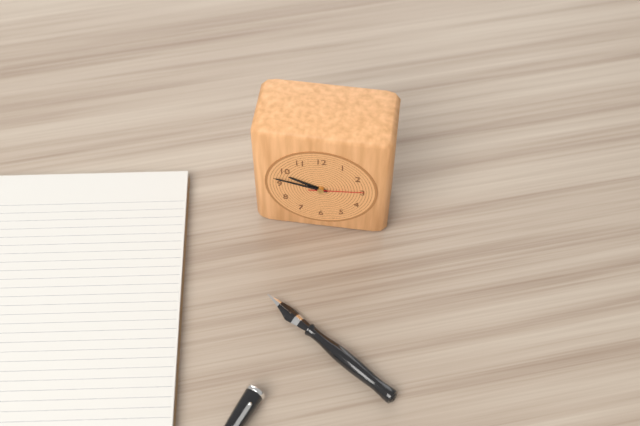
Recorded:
9.47.14
